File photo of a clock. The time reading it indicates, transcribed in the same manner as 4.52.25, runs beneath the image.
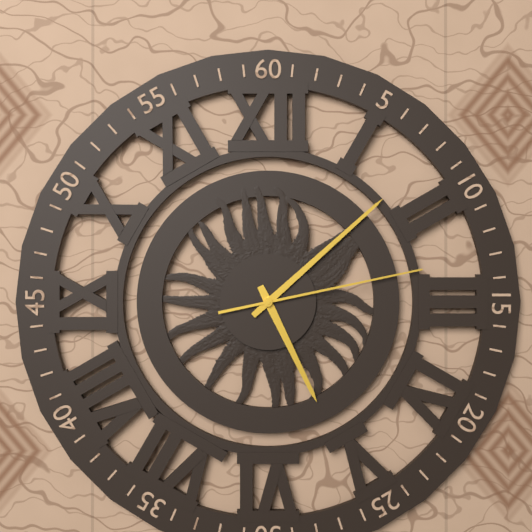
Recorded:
5.08.13
